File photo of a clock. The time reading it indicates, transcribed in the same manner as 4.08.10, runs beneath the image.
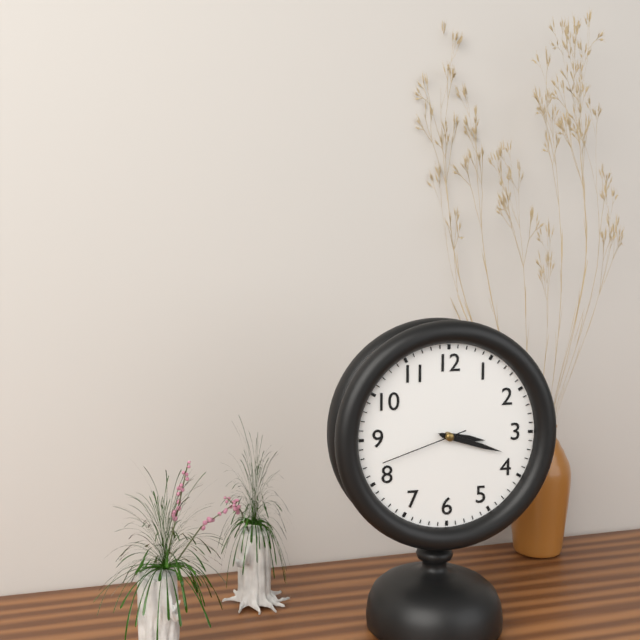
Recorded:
3.18.42
